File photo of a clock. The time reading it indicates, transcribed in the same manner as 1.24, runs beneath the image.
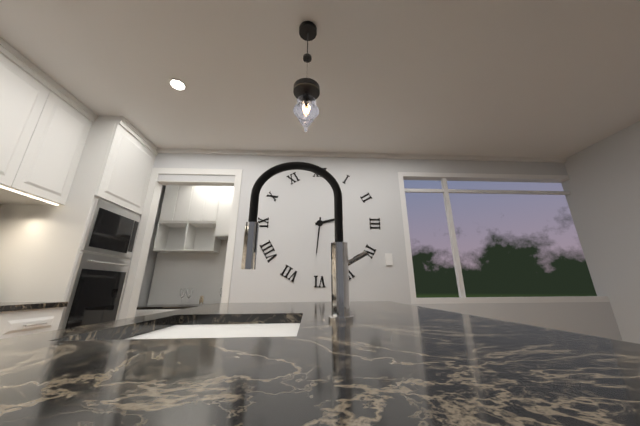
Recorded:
2.31
